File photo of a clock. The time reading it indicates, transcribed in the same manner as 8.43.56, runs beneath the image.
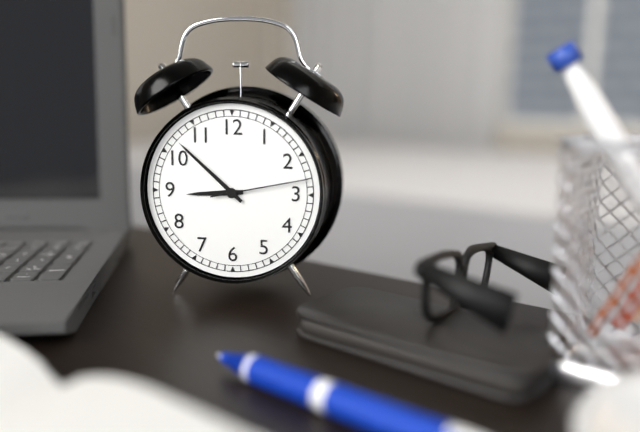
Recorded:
8.52.13
